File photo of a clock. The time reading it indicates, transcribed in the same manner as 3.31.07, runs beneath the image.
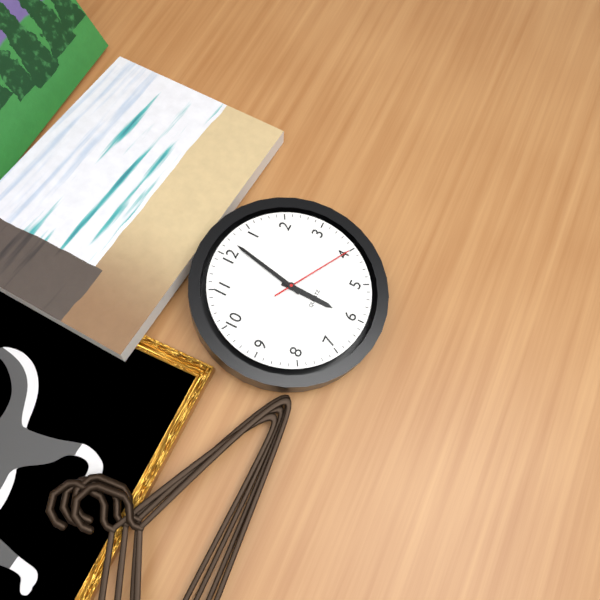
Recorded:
6.02.20
